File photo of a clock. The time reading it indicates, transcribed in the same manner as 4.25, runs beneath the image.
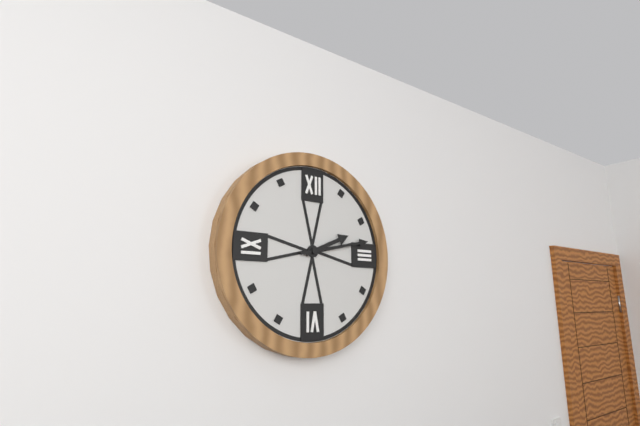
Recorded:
2.13
